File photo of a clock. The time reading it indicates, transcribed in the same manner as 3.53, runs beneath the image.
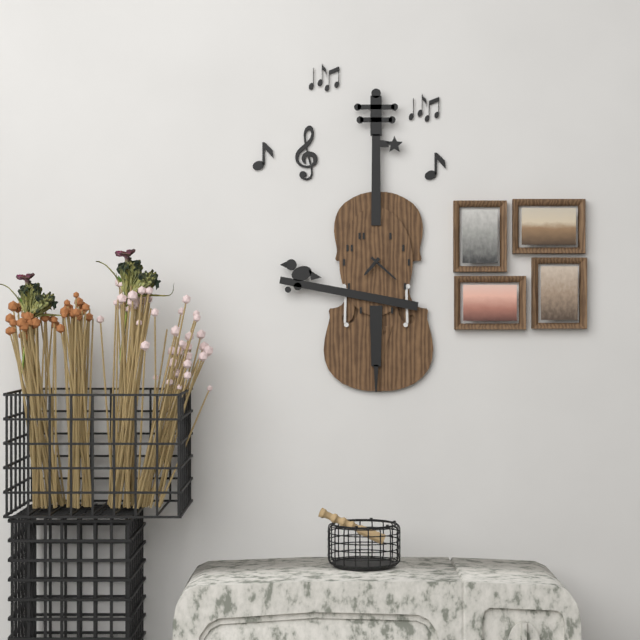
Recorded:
7.22
